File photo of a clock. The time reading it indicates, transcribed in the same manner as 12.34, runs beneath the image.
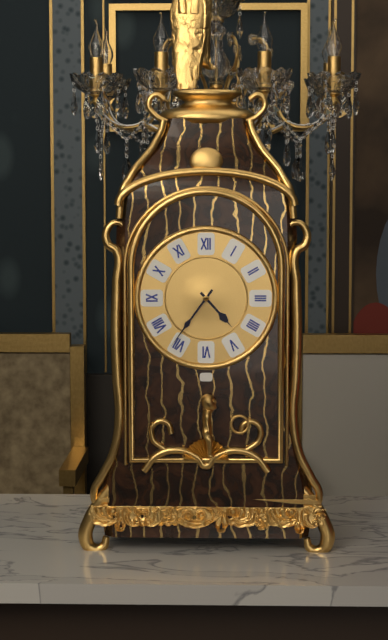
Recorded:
4.36
